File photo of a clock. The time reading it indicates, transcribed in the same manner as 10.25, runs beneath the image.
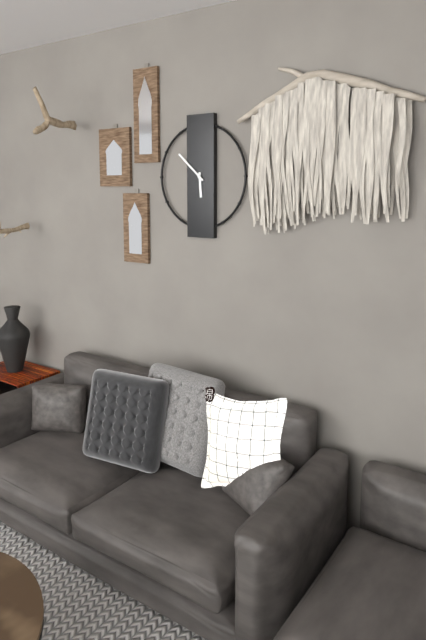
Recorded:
5.52
